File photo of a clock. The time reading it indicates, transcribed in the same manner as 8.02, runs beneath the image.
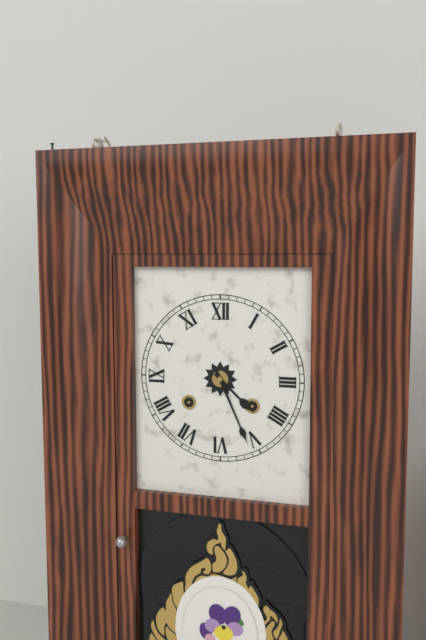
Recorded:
4.26
